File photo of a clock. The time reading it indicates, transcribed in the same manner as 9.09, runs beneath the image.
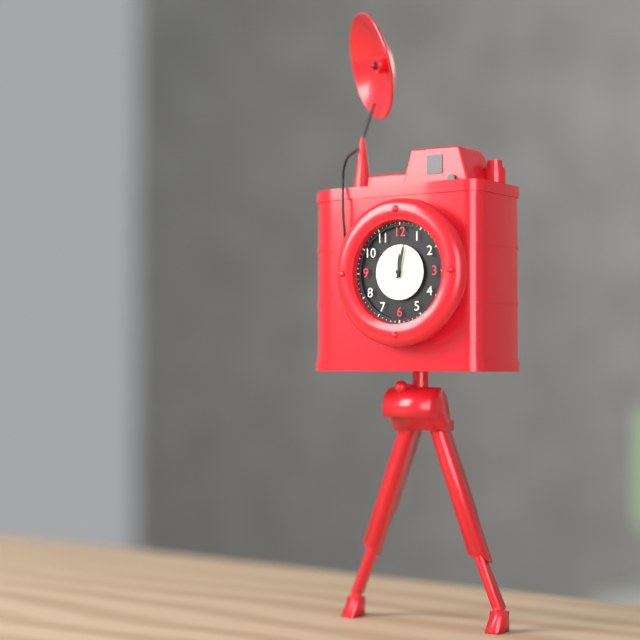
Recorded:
12.02
